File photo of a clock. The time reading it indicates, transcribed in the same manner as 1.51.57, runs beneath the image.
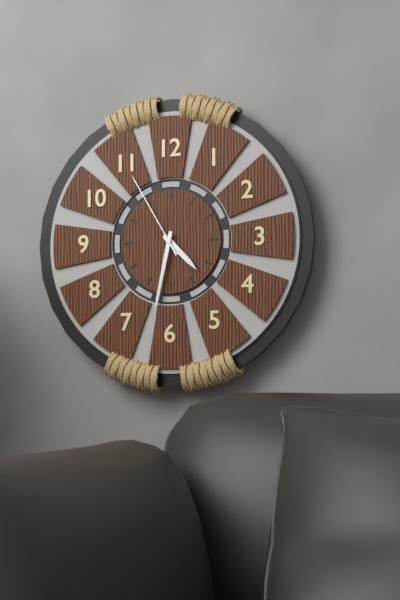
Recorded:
4.32.55
